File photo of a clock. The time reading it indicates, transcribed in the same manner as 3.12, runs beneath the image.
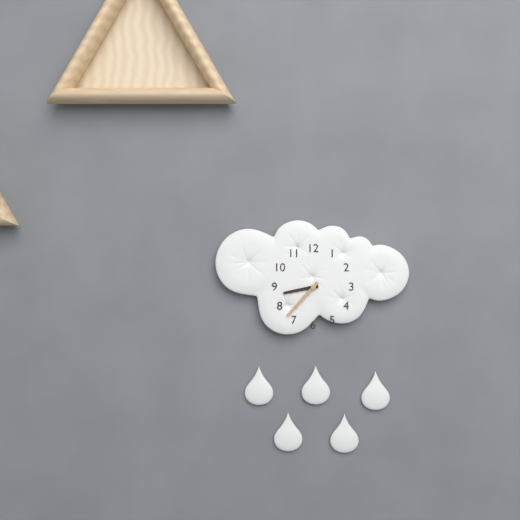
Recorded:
8.37
